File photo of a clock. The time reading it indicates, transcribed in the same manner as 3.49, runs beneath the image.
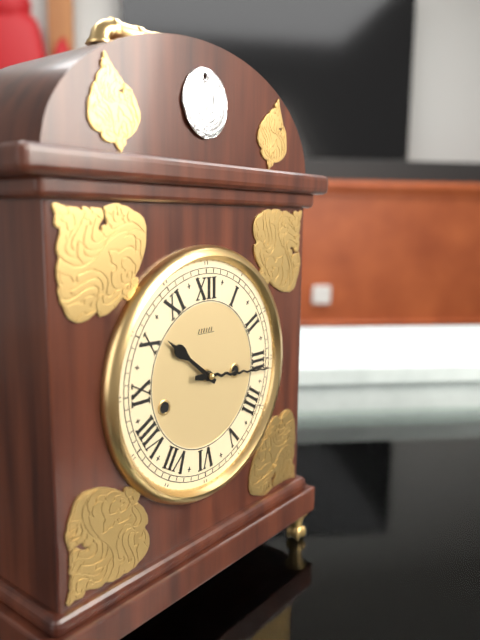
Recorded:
10.16
